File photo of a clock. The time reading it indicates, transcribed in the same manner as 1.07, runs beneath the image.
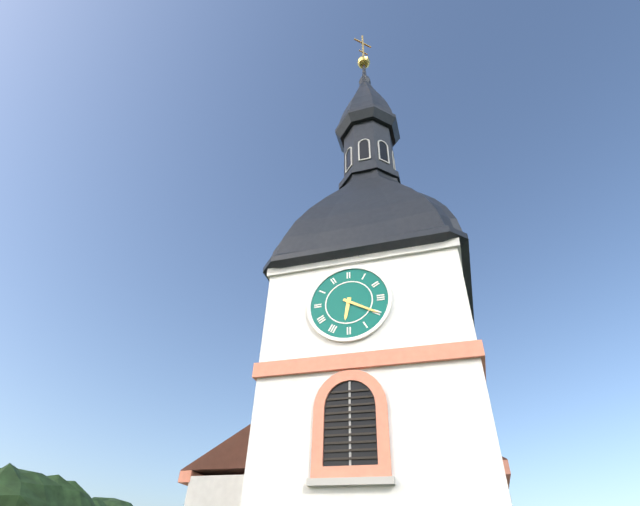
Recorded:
6.20
